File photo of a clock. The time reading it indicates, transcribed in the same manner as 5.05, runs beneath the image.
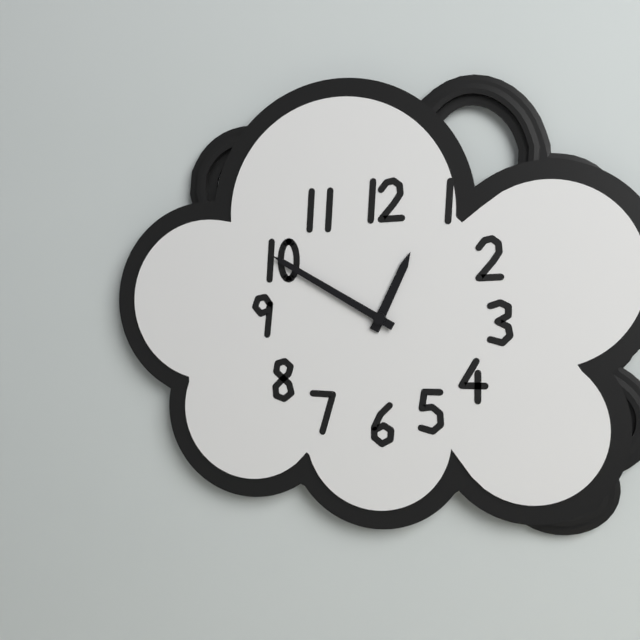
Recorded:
12.50
